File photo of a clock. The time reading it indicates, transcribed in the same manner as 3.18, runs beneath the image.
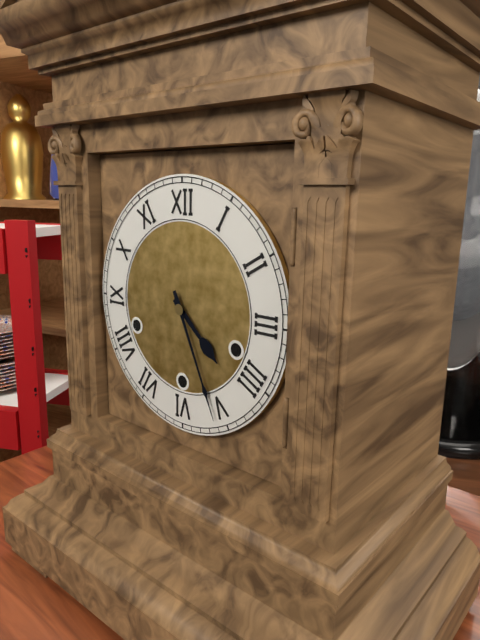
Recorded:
4.26
